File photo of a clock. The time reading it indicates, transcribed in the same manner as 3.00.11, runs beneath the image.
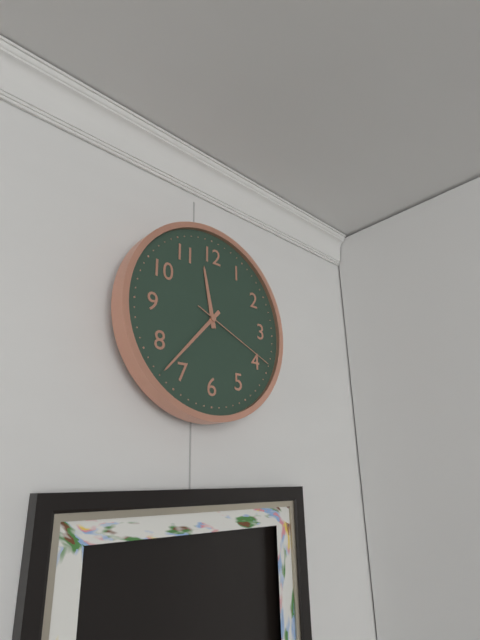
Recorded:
11.37.19
